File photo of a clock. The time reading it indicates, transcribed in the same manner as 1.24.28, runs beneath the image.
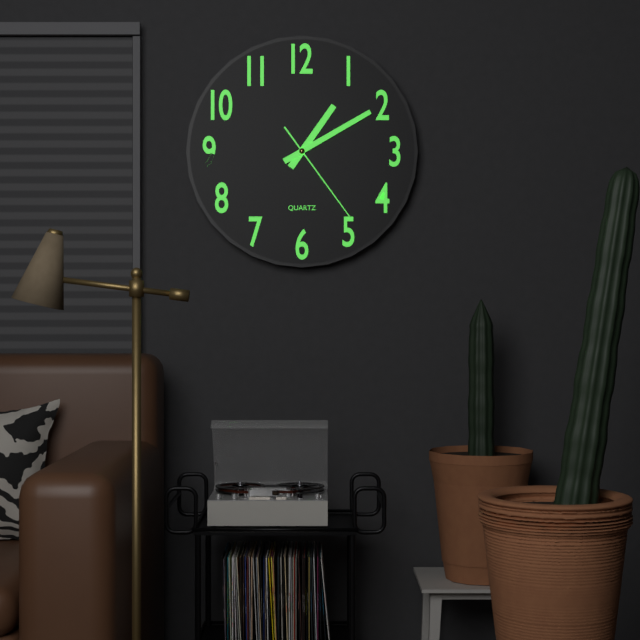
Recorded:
1.10.24
